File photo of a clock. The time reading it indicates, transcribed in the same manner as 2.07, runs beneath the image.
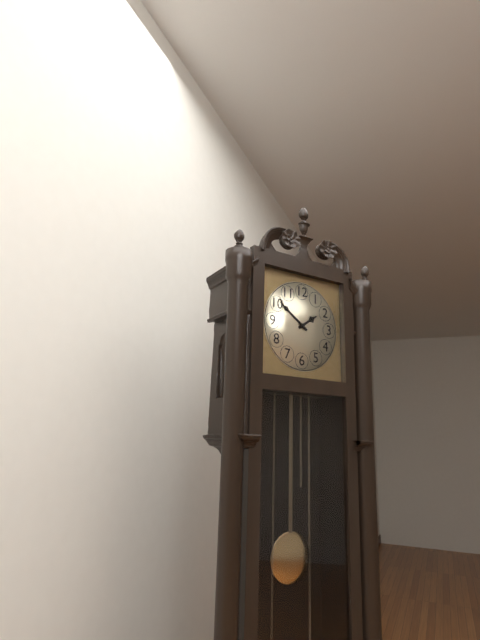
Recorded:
1.51
